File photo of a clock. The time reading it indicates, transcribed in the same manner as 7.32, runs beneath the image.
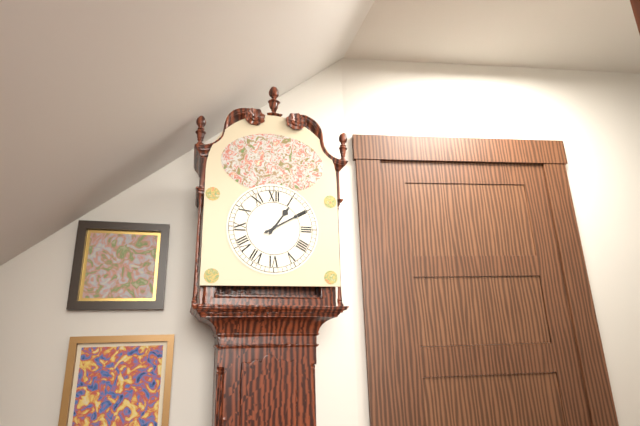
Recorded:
1.10
